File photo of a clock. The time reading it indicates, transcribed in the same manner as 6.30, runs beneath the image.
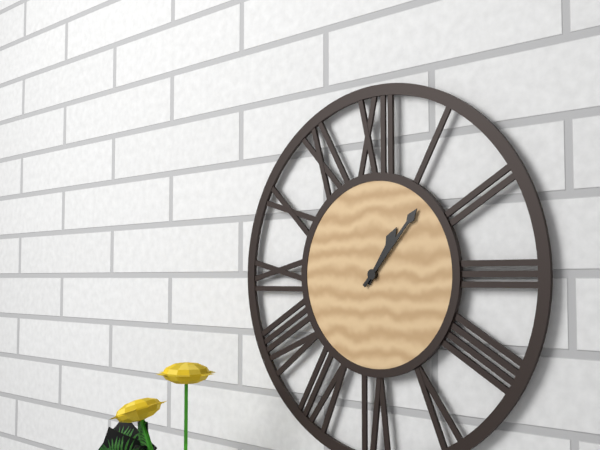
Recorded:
1.07
